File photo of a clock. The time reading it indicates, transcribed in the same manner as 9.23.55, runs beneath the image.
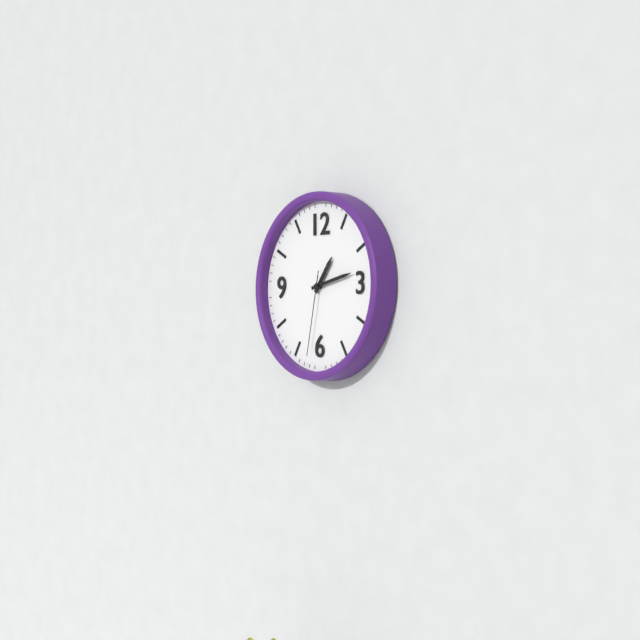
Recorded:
1.13.32
